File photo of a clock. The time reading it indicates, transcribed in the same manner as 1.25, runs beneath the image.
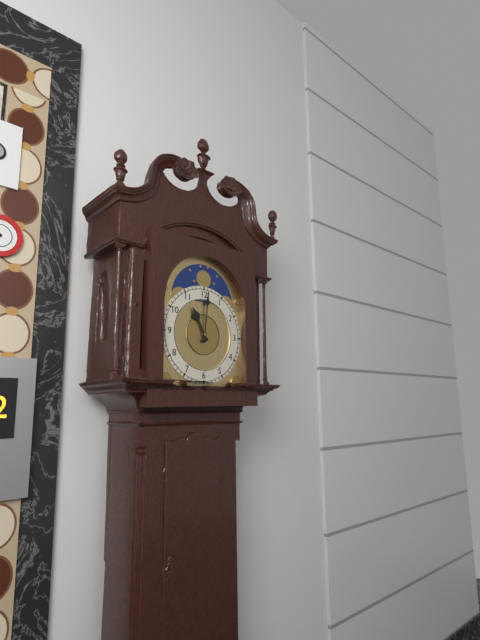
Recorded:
11.01
